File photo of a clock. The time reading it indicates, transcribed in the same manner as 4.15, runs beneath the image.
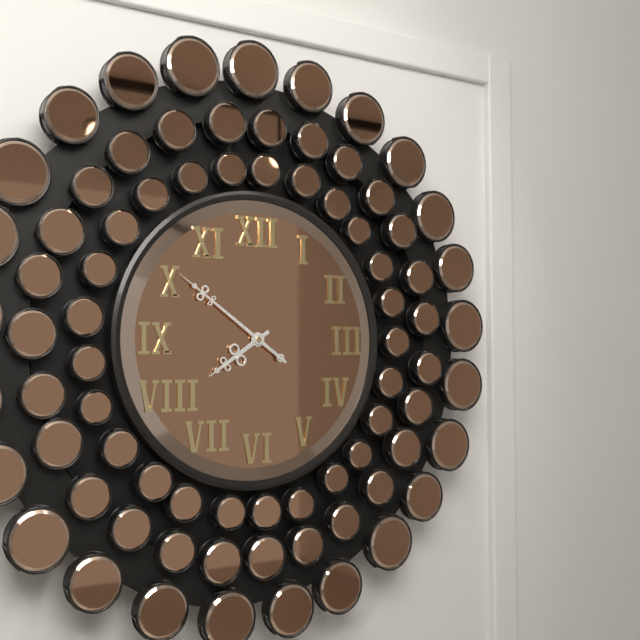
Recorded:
7.51
